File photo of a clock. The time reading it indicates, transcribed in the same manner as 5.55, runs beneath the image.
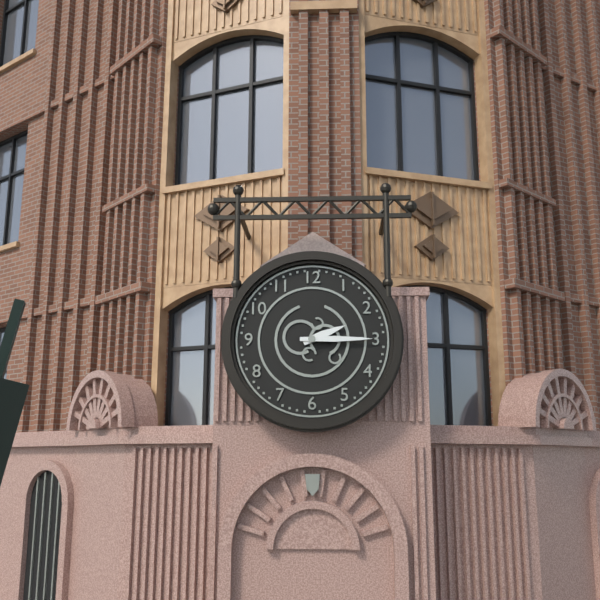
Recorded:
2.15
